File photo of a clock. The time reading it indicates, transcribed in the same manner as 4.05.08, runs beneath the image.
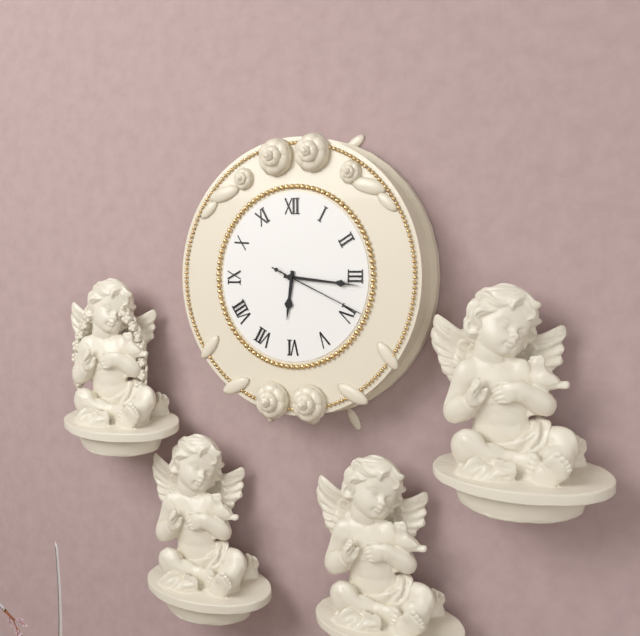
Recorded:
6.16.19
